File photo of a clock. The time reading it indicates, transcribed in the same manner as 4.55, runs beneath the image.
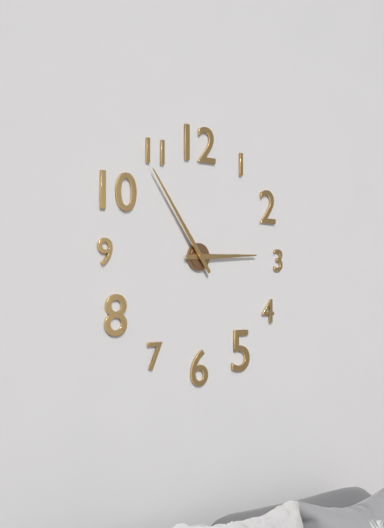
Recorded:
2.54
